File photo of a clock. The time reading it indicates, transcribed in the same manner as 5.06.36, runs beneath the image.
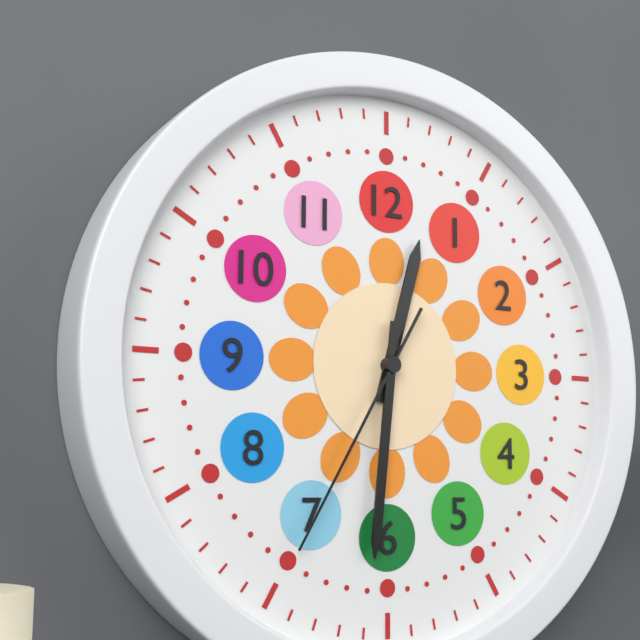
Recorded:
12.31.35
